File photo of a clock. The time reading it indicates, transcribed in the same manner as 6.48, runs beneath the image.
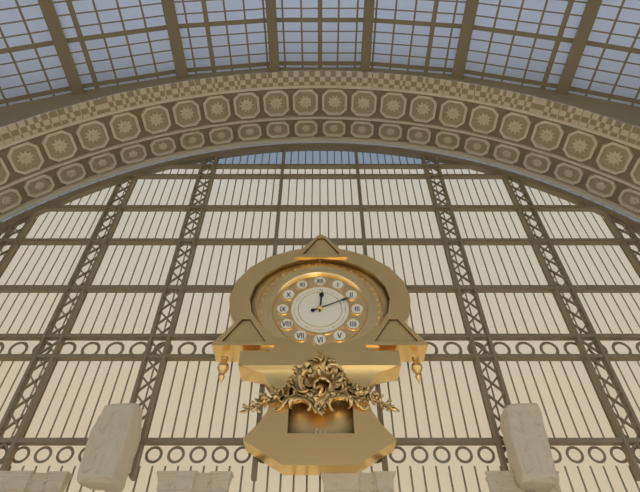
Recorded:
12.11
